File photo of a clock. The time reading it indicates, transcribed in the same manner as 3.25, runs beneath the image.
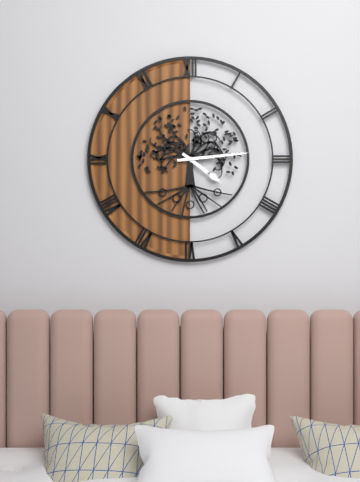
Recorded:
4.14
